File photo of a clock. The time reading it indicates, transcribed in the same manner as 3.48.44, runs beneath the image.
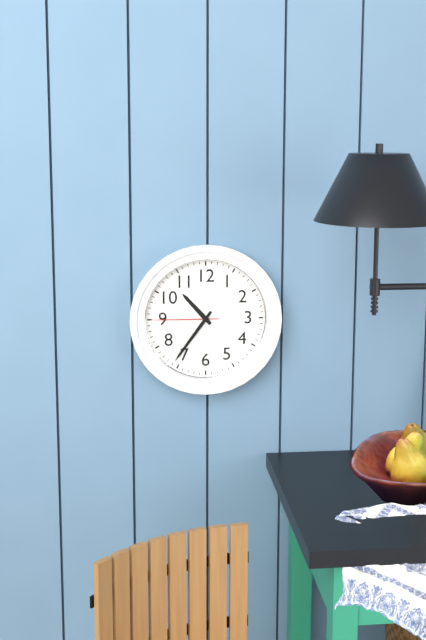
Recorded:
10.36.45
